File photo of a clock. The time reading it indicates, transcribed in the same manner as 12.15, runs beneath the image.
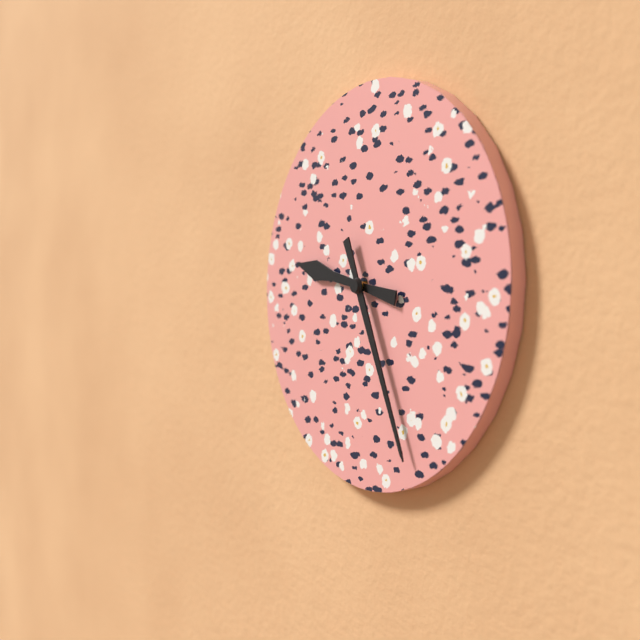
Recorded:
9.26
